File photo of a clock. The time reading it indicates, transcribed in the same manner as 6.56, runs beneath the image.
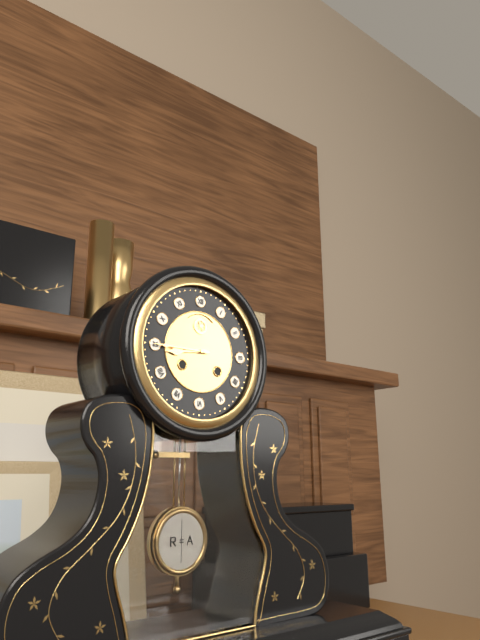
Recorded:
8.45
